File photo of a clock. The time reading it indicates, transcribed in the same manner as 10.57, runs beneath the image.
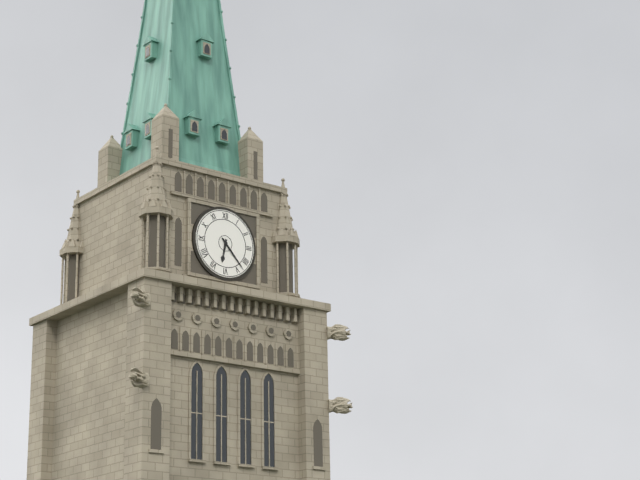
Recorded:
6.23
